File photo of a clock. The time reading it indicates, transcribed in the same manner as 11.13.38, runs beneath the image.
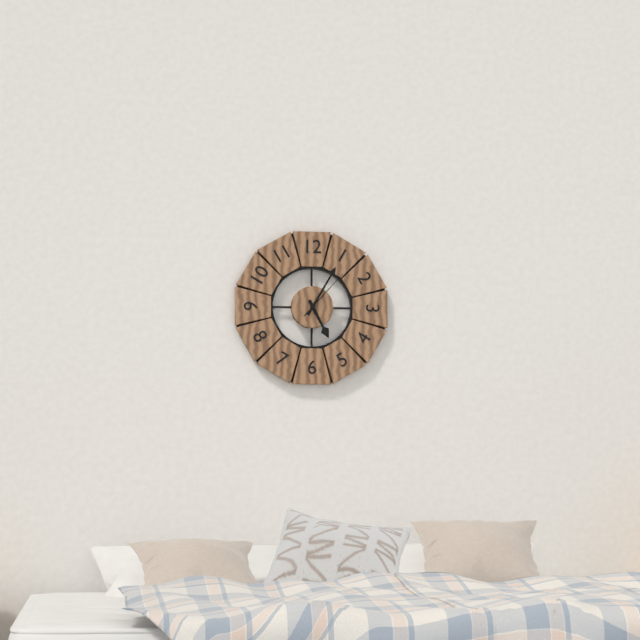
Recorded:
5.05.07
